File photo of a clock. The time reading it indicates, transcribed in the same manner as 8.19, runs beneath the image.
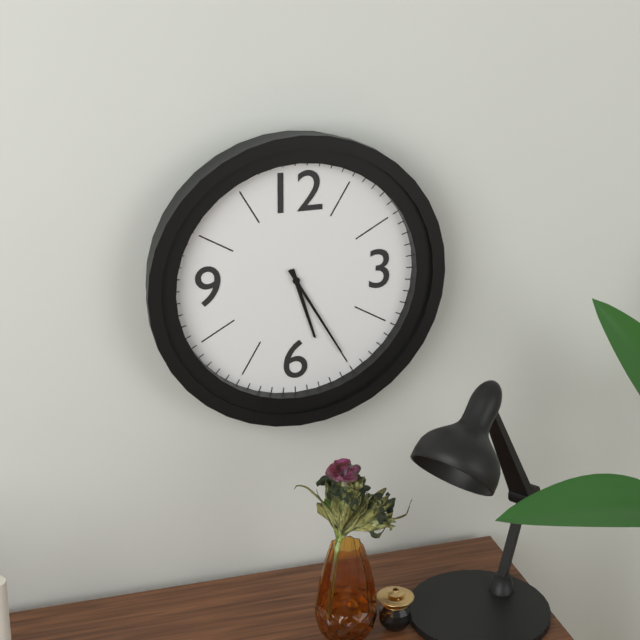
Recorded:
5.25
